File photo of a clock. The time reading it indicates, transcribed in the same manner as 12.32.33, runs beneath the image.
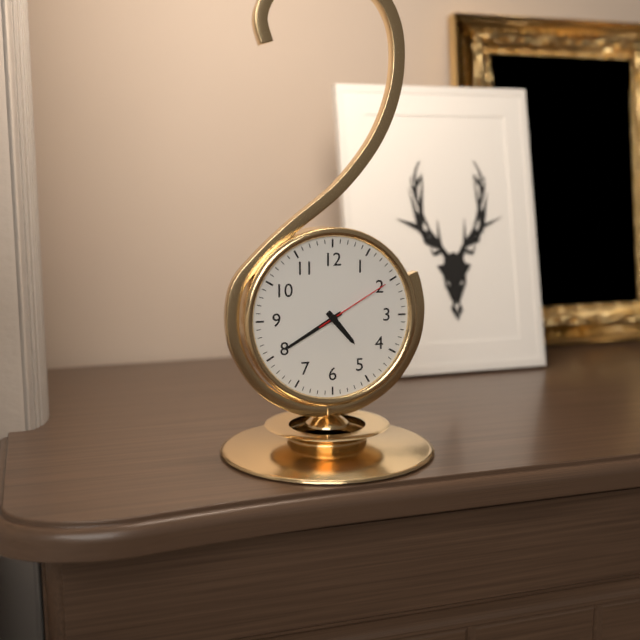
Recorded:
4.40.10
